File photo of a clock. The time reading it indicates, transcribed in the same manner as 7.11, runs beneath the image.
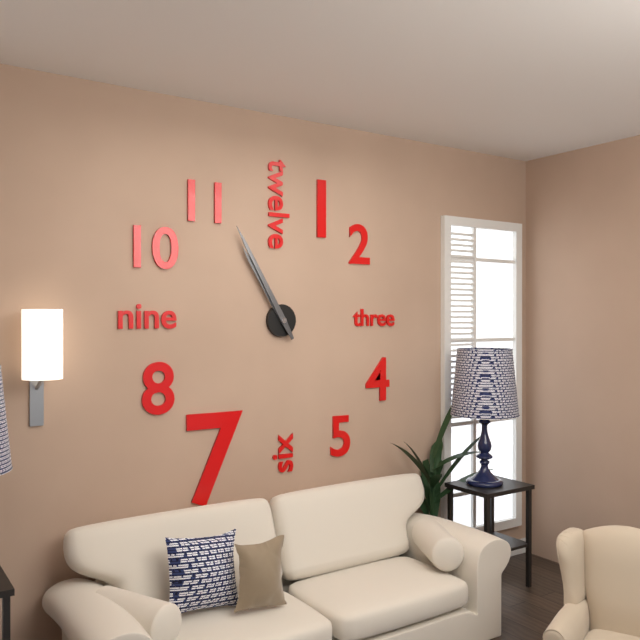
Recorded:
10.55
